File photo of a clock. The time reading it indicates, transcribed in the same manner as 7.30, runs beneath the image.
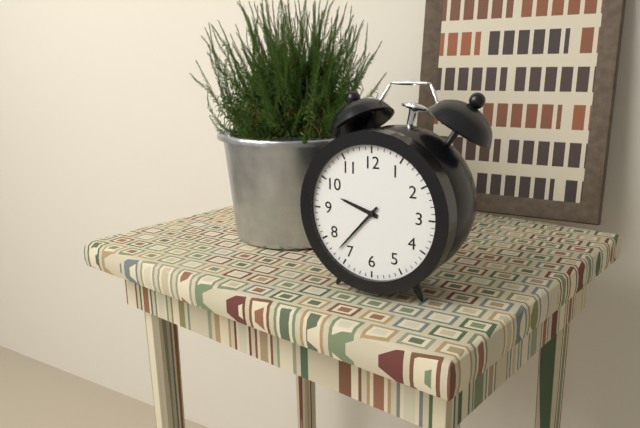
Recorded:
9.37
